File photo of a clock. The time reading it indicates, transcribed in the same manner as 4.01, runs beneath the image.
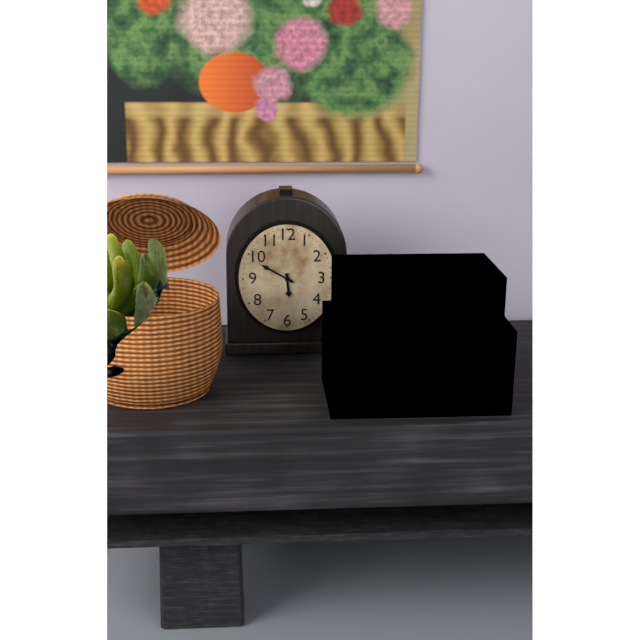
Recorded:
5.50
